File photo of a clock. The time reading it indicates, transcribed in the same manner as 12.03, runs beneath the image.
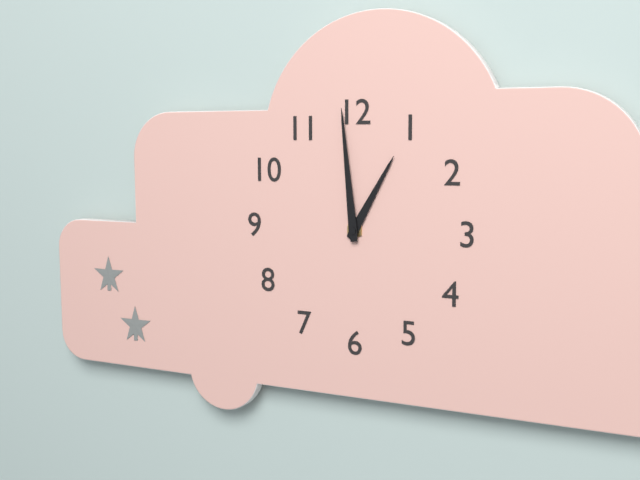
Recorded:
12.59
